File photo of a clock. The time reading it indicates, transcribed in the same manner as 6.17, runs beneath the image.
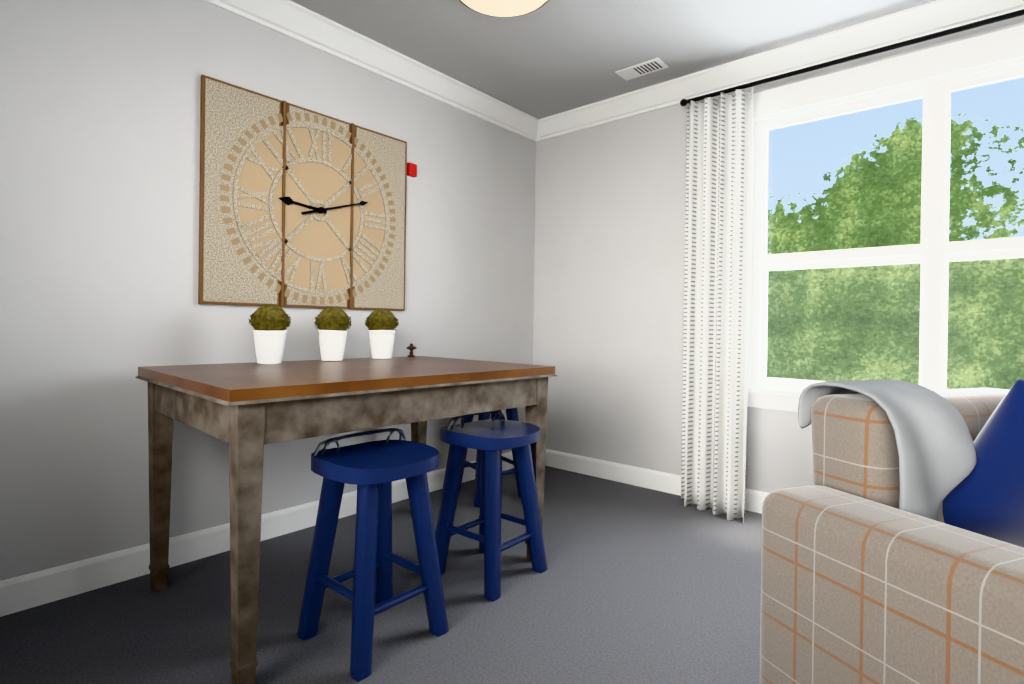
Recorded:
9.12
